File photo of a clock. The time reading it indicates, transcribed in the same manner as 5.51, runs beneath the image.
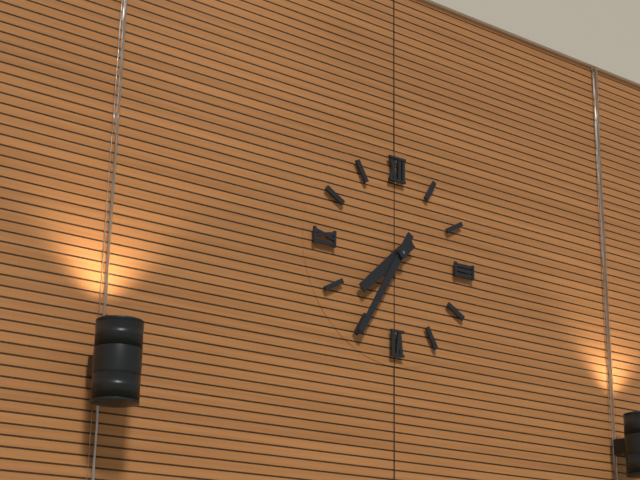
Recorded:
7.35
